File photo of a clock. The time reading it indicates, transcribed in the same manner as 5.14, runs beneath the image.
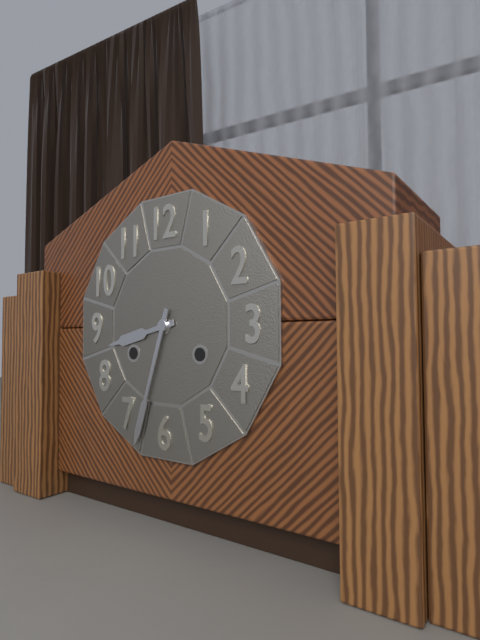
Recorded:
8.33
